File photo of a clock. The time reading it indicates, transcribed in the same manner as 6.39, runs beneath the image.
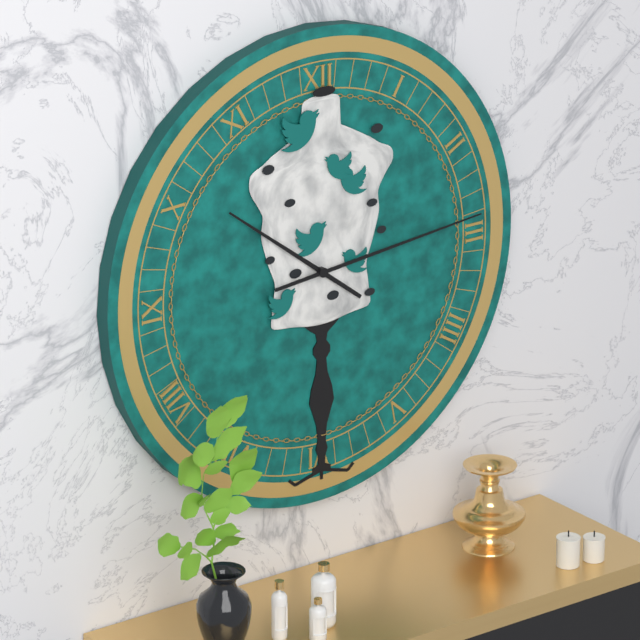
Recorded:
10.14
